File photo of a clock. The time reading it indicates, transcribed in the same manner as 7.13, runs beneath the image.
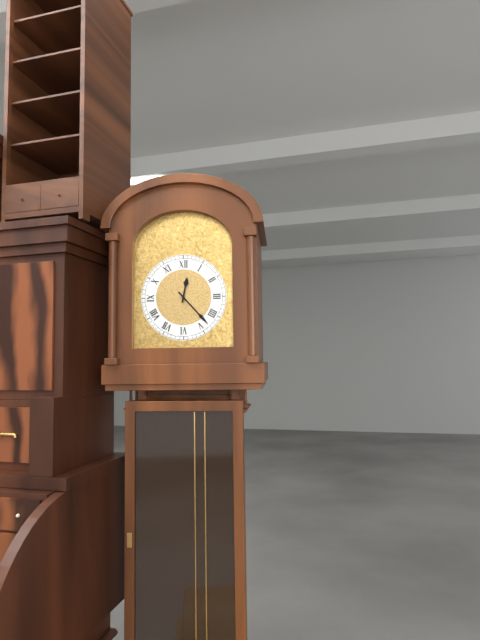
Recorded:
12.23
